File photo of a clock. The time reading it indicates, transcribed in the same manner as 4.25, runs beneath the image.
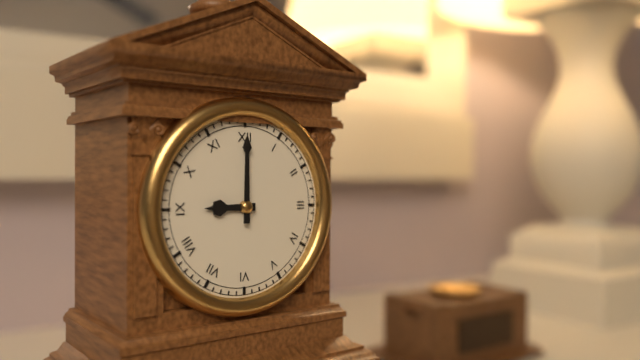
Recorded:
9.00
